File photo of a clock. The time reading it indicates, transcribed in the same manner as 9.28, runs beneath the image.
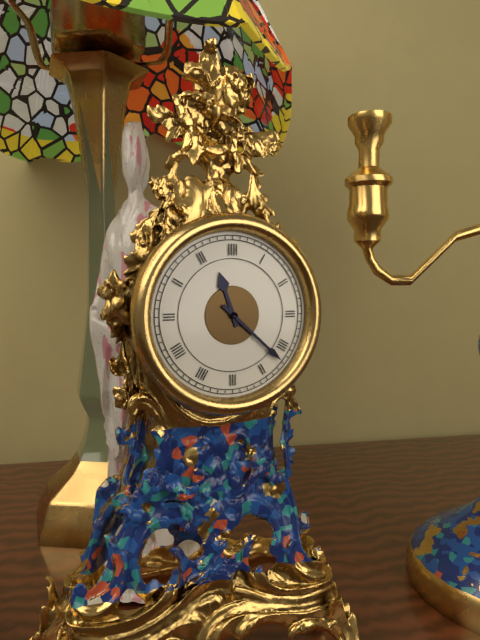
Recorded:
11.22
